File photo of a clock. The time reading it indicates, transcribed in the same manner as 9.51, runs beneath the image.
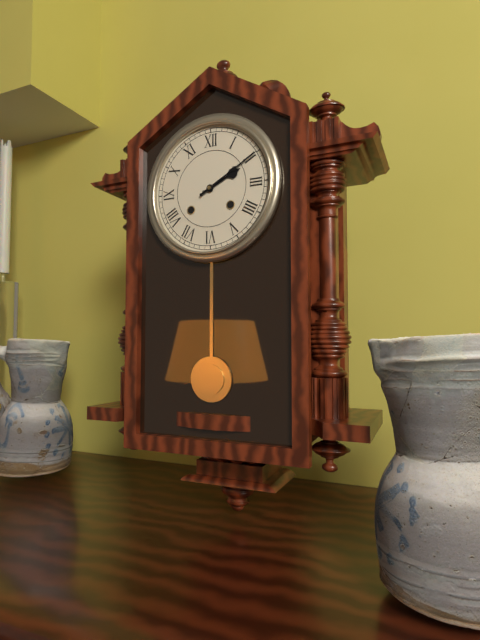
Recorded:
2.10
